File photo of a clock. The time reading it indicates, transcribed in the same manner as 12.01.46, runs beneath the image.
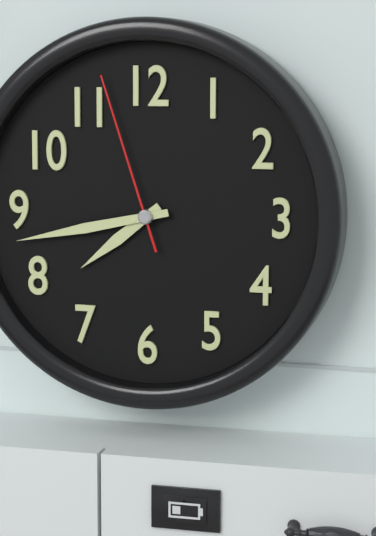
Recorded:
7.43.57
